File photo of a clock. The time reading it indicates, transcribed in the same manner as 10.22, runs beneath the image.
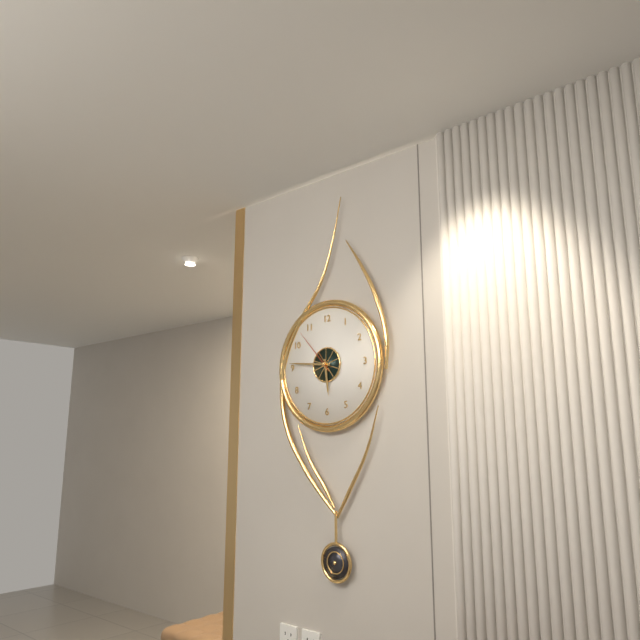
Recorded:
5.46
